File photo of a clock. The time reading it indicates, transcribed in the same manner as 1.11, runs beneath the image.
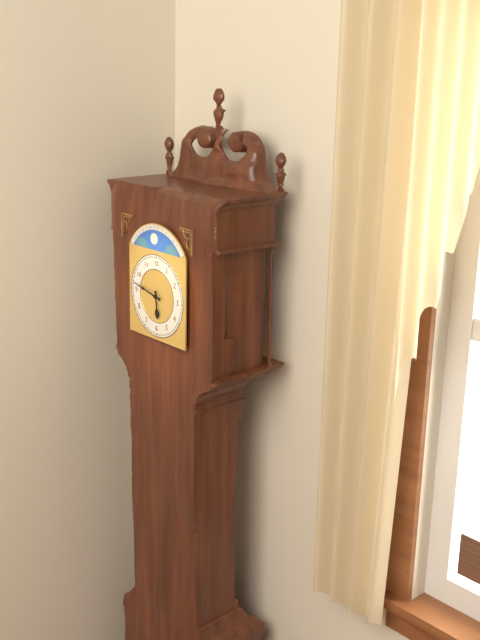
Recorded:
5.47
